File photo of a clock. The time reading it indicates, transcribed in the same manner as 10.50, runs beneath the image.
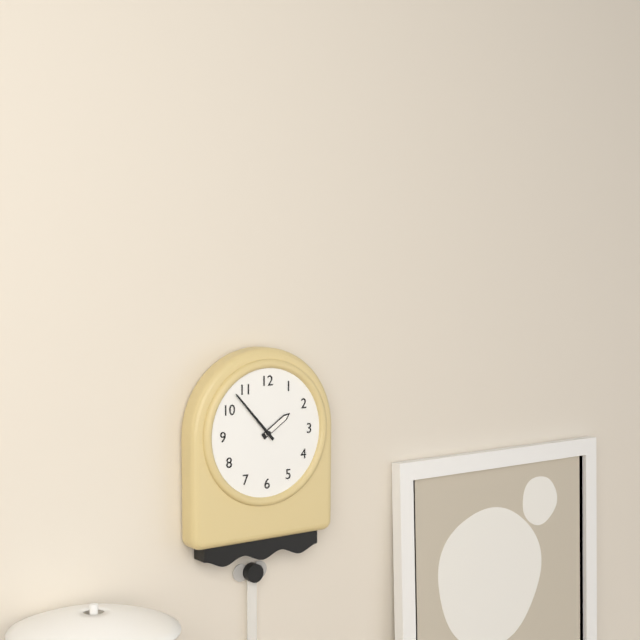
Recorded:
1.53
